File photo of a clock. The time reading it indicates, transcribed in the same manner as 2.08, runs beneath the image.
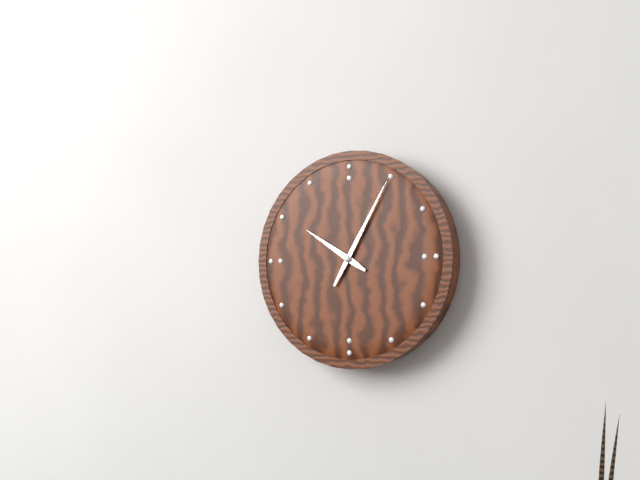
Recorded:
10.05
